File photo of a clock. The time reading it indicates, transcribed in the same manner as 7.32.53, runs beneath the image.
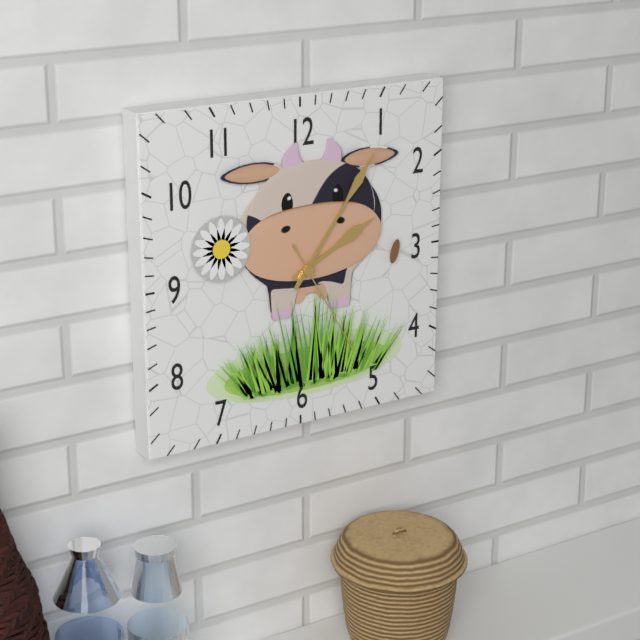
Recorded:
2.06.25
